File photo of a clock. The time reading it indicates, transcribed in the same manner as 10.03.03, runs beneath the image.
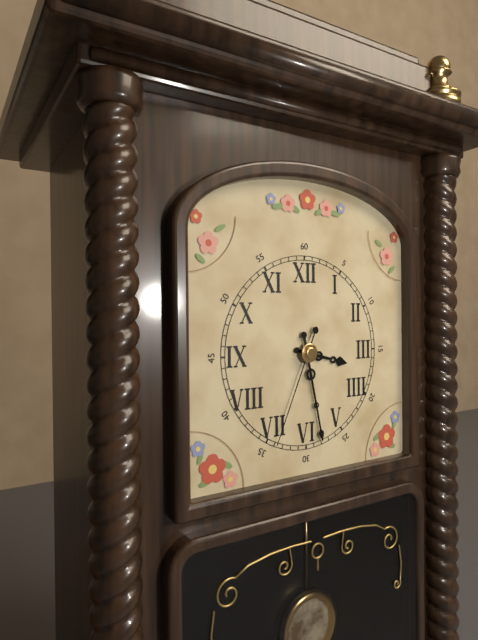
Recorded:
3.28.34
